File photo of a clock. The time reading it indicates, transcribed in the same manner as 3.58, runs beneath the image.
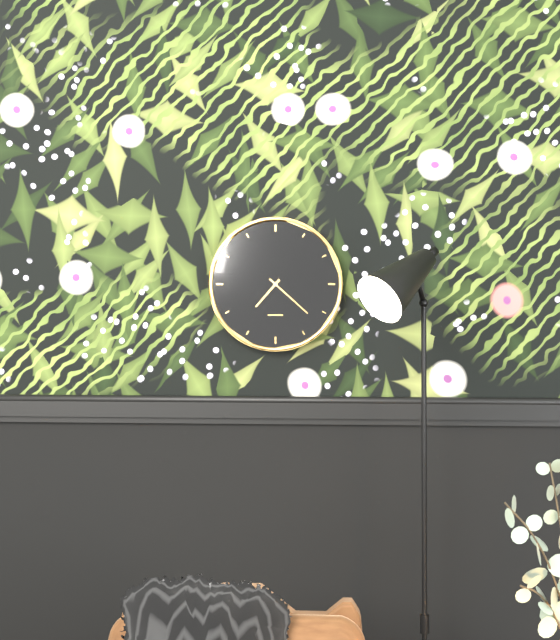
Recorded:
7.22
